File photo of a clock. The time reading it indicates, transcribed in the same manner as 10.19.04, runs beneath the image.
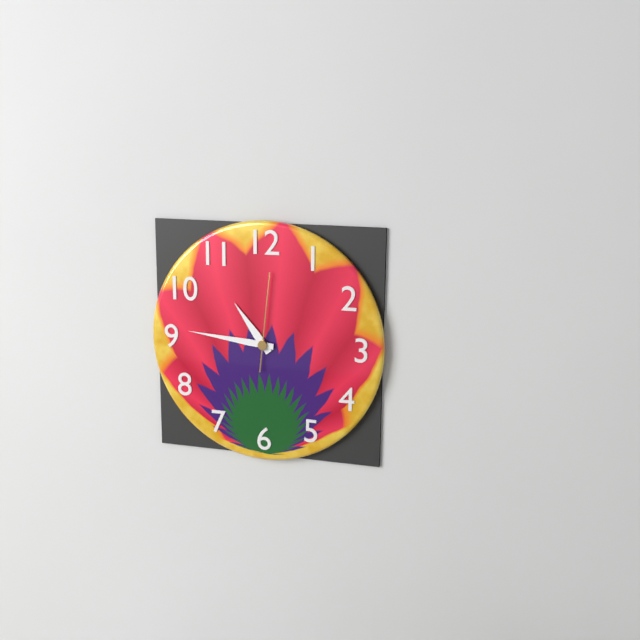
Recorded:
10.46.01
